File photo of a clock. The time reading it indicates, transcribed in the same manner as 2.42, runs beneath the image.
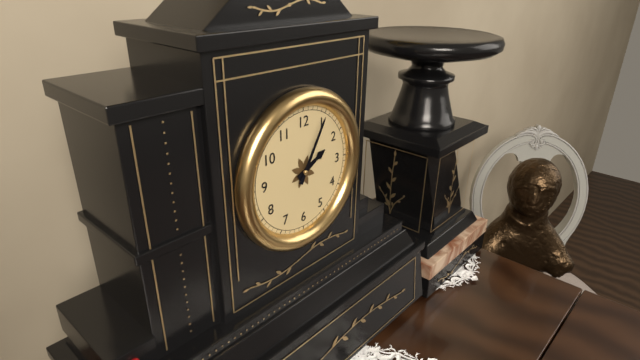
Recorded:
2.05
